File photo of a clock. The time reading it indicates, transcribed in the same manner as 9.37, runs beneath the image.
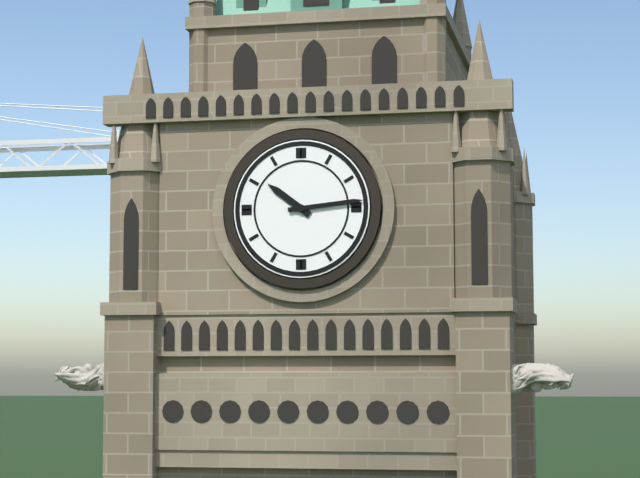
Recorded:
10.14
